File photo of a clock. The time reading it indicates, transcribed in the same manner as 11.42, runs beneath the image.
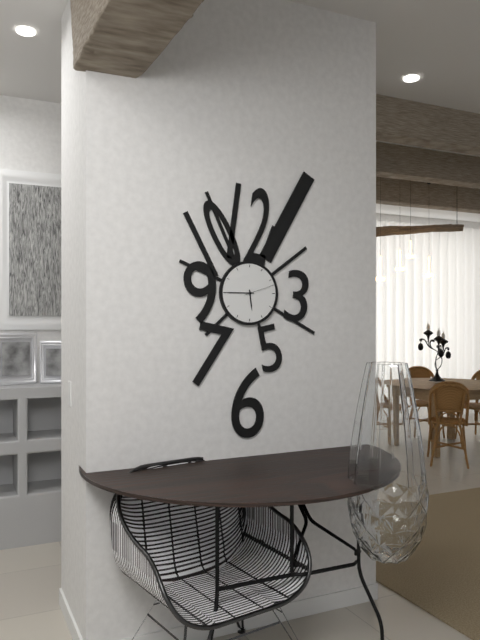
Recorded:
5.45
